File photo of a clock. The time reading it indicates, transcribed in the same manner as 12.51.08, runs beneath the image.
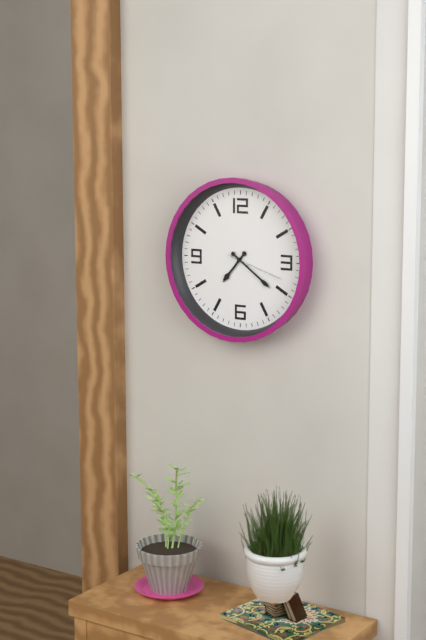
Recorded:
7.21.18
